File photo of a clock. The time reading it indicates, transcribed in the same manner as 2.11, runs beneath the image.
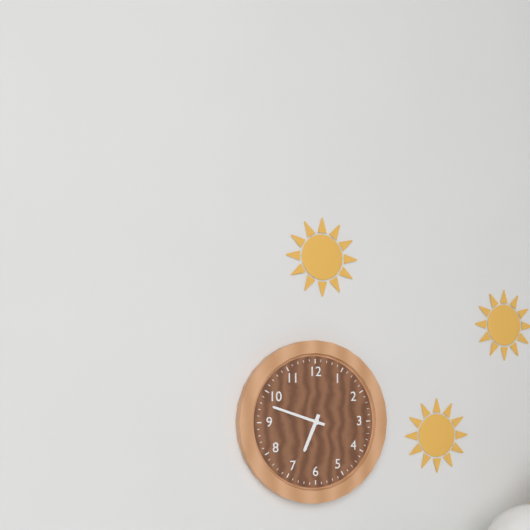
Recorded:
6.48
